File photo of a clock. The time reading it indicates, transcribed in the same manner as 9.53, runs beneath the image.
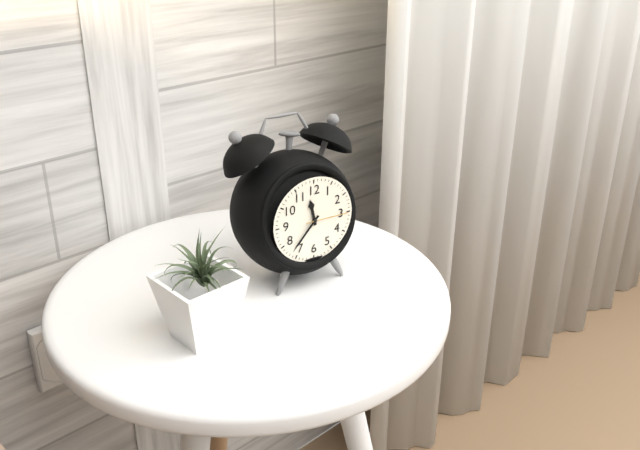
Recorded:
11.37
